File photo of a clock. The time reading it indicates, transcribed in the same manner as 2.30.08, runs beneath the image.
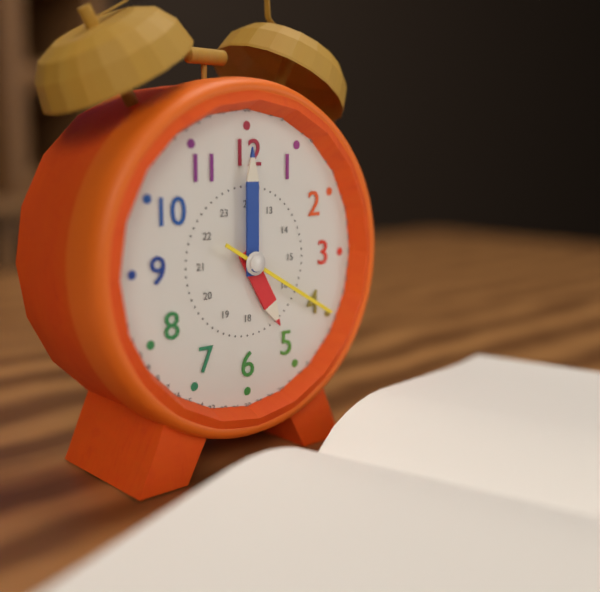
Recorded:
5.00.20
